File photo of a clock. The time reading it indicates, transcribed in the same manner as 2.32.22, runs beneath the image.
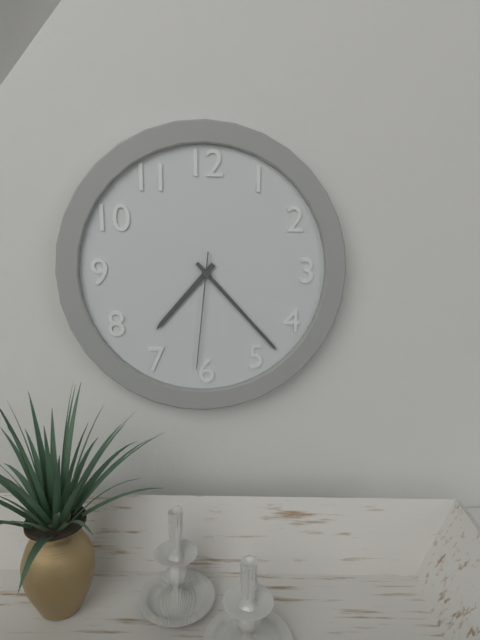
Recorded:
7.23.31
